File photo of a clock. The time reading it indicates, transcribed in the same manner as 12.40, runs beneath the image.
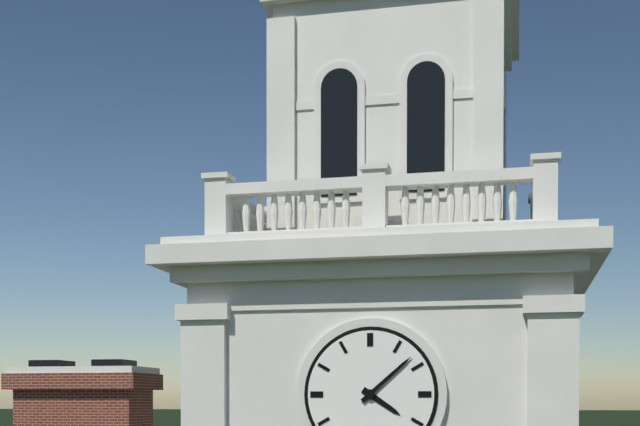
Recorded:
4.08
